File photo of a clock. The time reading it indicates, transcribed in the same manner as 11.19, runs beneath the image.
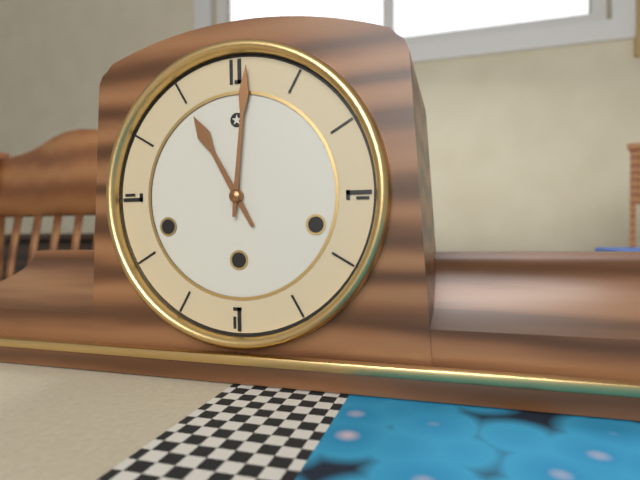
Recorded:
11.01
